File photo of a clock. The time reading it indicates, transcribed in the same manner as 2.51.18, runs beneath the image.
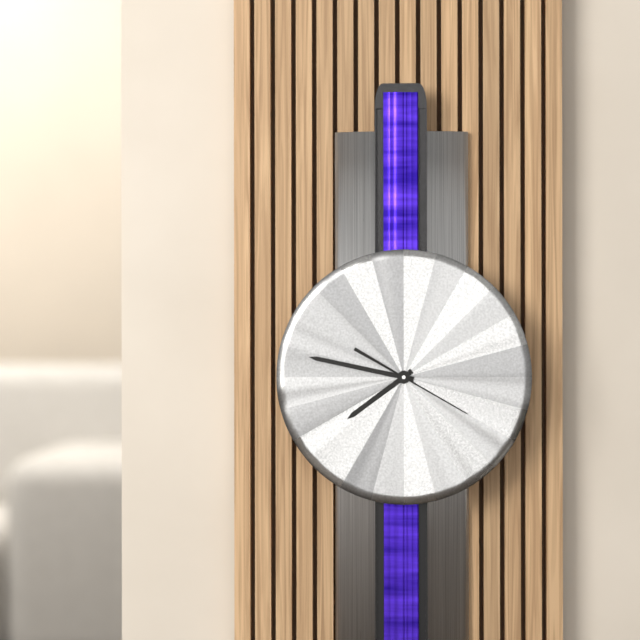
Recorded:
7.47.20
